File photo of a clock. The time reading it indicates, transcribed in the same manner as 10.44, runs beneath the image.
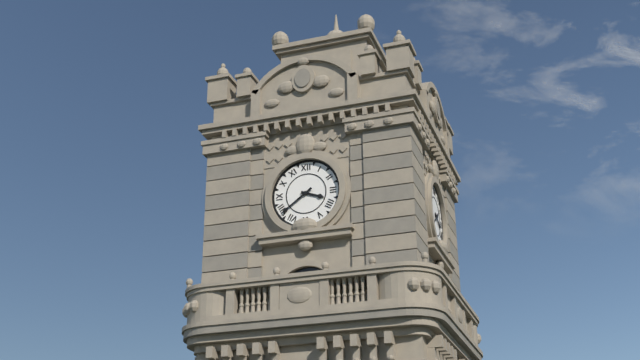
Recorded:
3.39
